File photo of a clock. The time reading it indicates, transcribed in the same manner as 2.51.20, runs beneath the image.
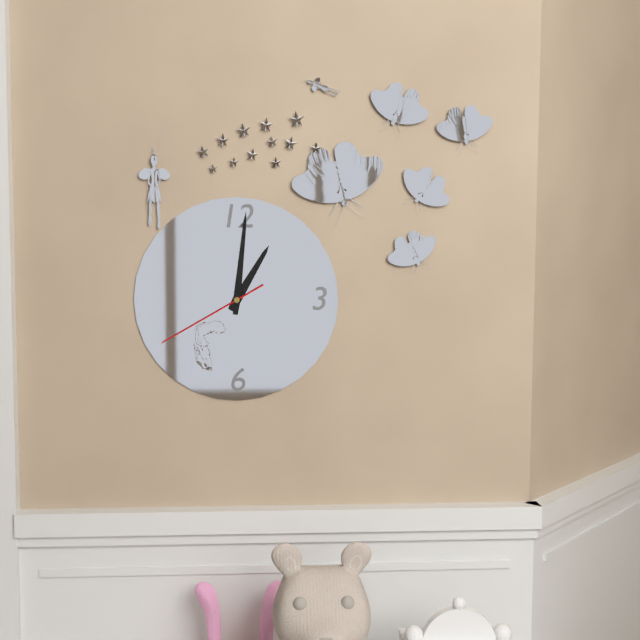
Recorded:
1.01.40
